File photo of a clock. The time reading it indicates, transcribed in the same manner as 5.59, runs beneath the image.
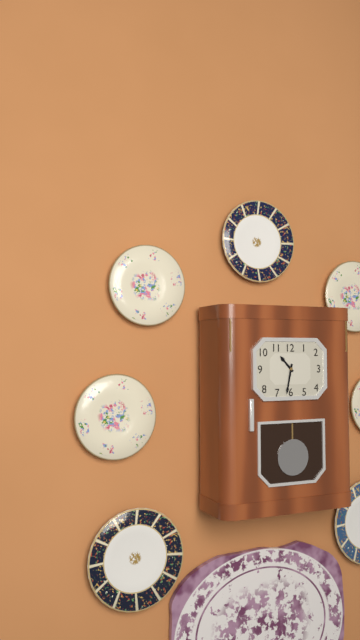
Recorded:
10.32
